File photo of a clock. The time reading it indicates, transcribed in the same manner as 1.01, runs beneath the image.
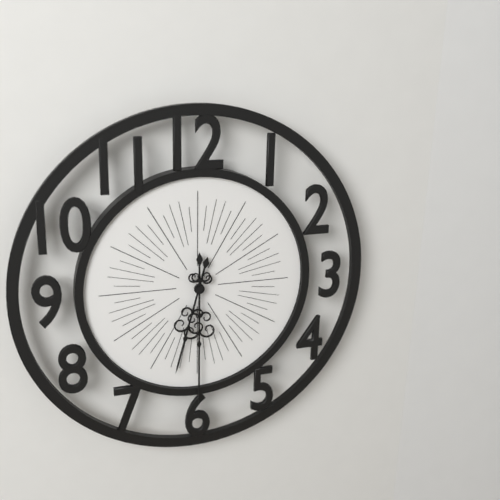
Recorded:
6.30
